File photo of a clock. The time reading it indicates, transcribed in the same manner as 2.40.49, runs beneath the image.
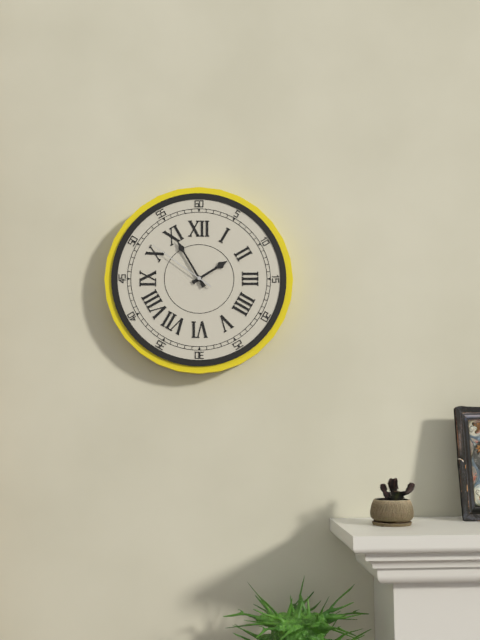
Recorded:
1.55.51
